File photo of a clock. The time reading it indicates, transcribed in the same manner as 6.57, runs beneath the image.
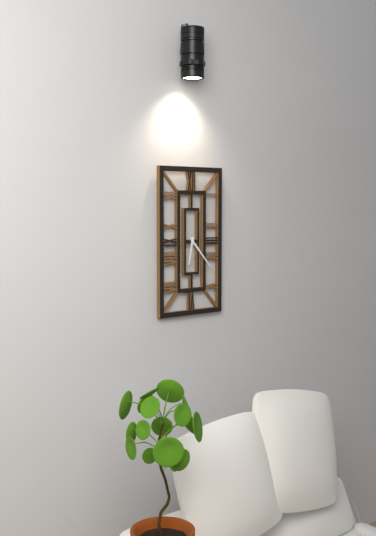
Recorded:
6.23
